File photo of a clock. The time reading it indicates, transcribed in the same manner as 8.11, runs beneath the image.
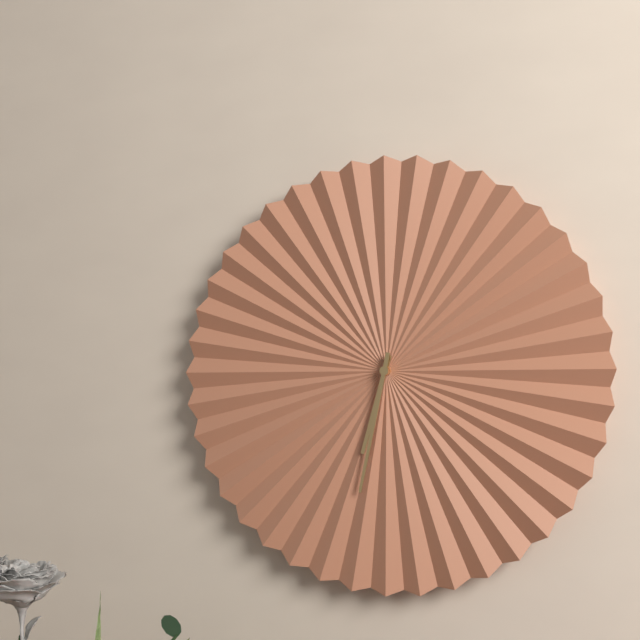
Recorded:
6.32
